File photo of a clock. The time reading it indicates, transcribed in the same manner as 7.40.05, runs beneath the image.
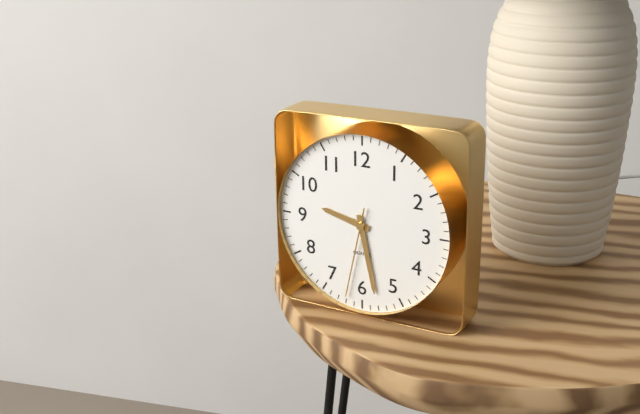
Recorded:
9.28.32
